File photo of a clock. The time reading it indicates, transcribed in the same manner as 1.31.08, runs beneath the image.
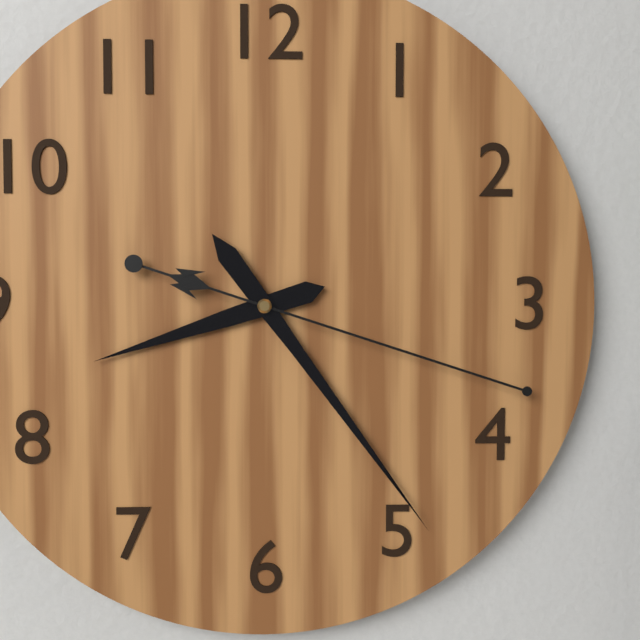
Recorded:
8.24.18
